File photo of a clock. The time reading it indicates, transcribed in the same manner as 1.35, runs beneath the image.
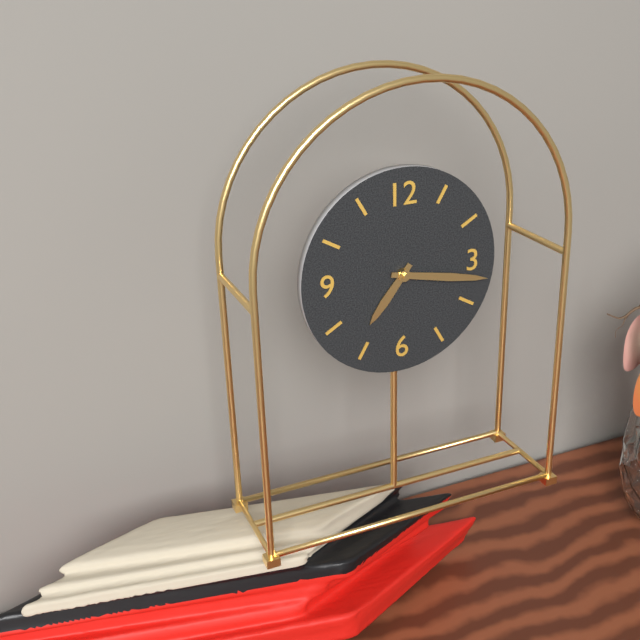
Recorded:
7.17
